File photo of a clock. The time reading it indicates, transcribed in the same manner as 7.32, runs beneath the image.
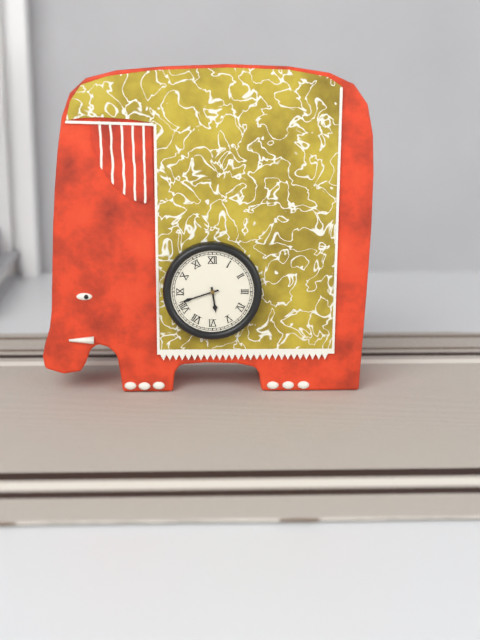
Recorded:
5.42
